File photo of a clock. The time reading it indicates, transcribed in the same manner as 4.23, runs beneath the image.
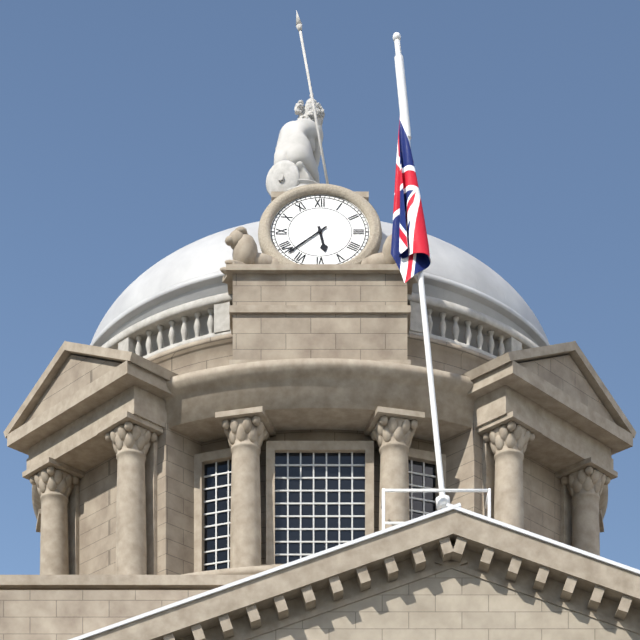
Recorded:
5.38
